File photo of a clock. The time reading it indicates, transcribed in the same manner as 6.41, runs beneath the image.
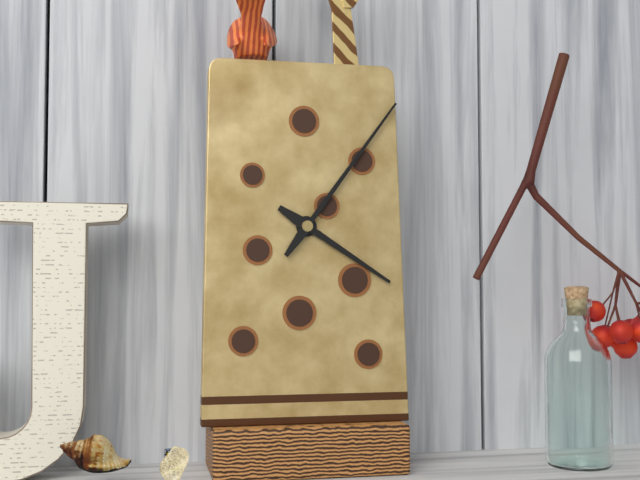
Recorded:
4.06
